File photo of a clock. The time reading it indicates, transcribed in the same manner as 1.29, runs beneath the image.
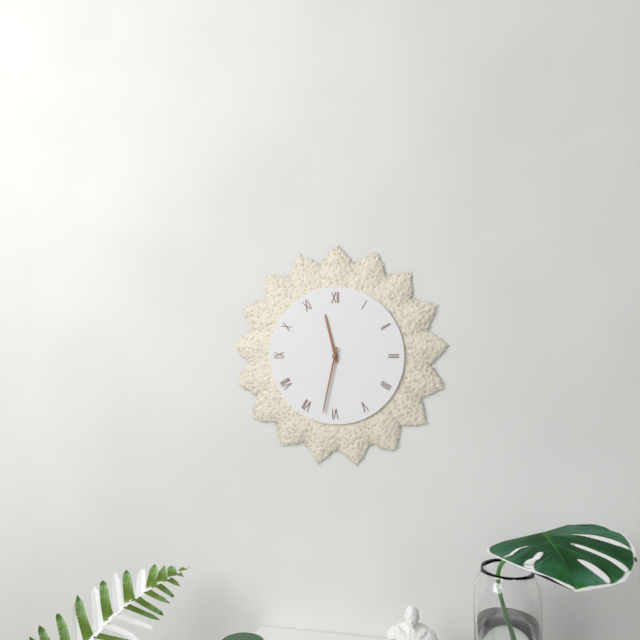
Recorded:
11.32
